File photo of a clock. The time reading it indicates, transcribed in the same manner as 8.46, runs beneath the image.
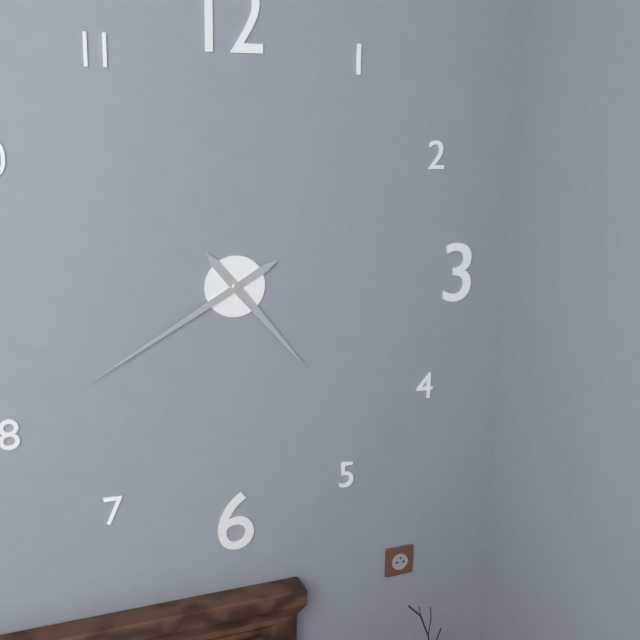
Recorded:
4.40
